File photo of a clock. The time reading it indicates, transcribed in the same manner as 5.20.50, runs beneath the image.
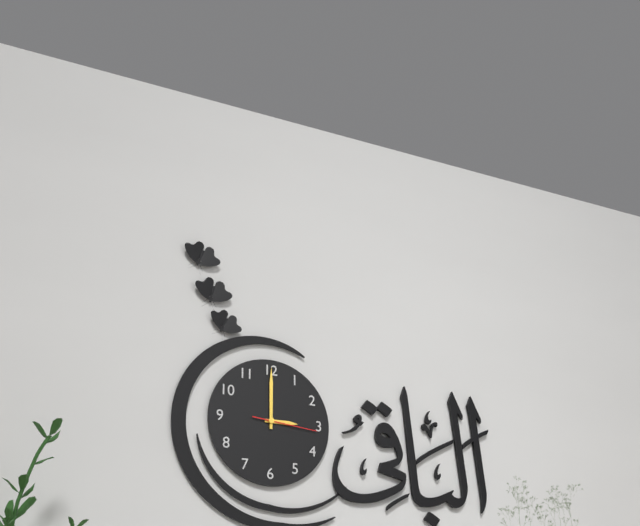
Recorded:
3.00.16
